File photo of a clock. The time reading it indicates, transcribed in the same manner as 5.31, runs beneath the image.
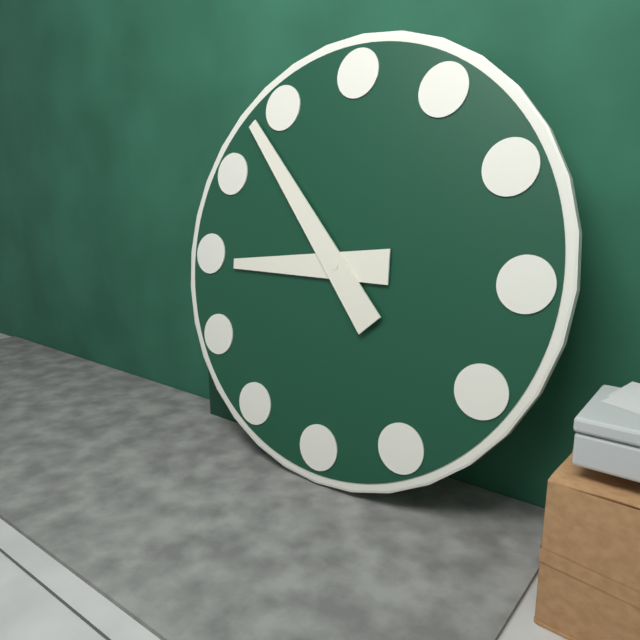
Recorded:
8.53
